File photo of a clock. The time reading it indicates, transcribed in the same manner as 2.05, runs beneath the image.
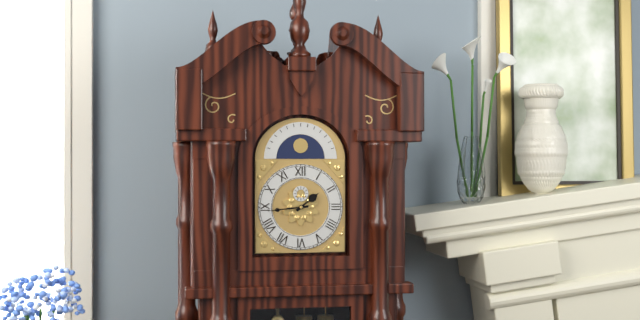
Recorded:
1.44
